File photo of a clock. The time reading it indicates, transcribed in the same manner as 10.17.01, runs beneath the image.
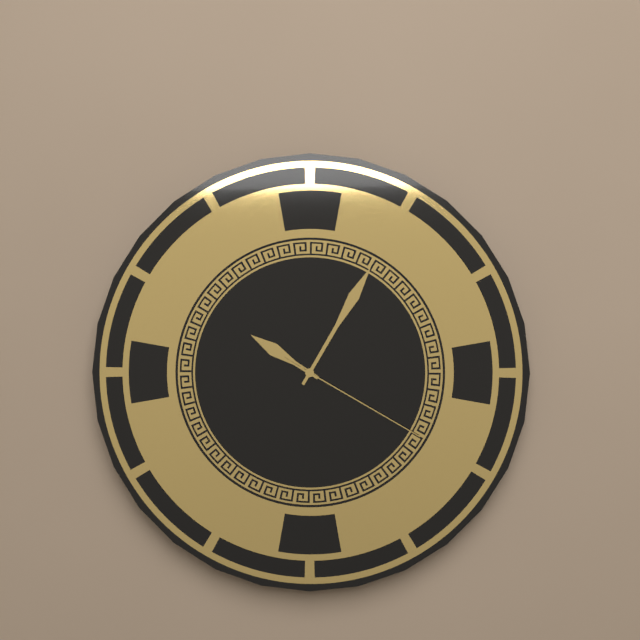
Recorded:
10.05.20
